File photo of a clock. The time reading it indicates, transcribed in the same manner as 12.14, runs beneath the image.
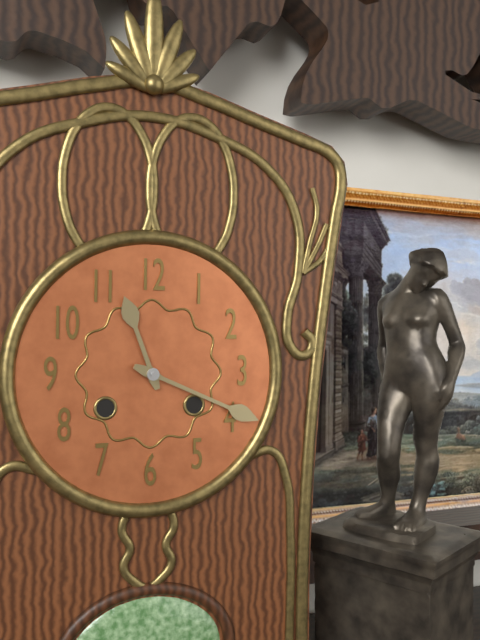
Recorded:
11.19
